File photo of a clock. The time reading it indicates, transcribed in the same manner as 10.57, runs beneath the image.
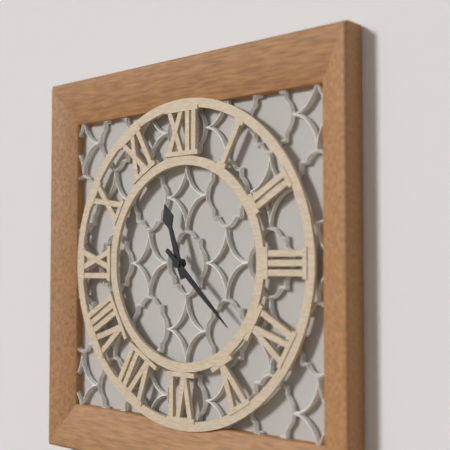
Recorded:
11.22
